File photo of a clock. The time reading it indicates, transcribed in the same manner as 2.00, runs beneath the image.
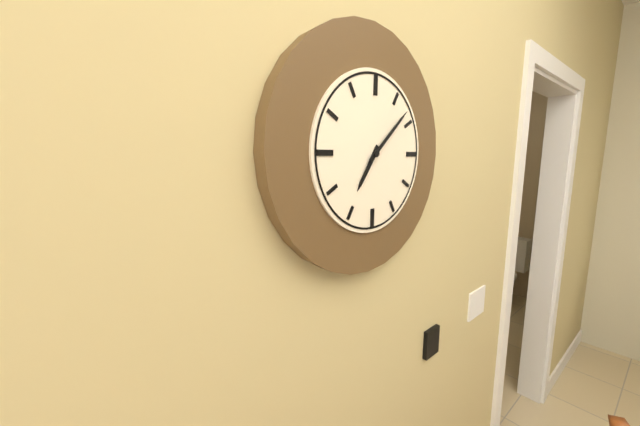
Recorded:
7.08
